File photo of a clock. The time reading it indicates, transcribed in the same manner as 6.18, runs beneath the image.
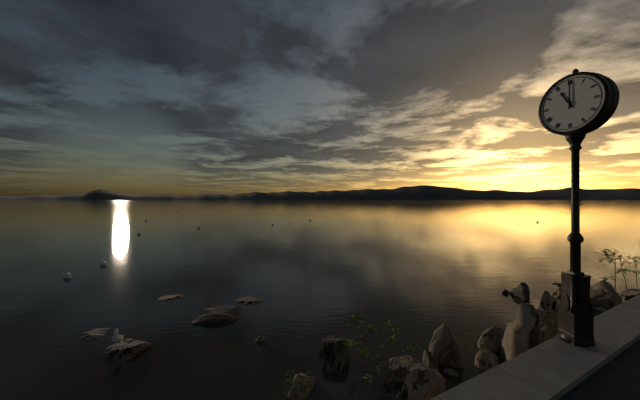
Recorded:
11.00
